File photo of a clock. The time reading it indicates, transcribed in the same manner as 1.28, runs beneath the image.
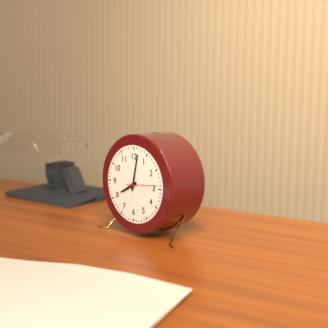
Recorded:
8.02
